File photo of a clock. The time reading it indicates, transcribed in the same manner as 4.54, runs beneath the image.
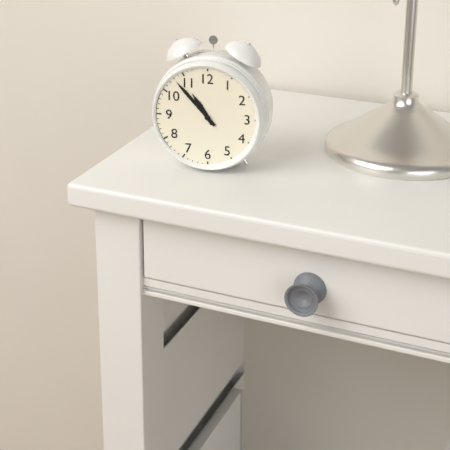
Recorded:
10.53
